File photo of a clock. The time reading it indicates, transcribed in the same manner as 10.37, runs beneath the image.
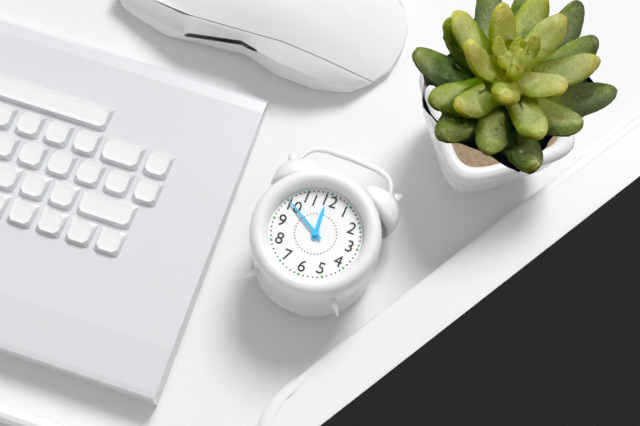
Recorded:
11.50
